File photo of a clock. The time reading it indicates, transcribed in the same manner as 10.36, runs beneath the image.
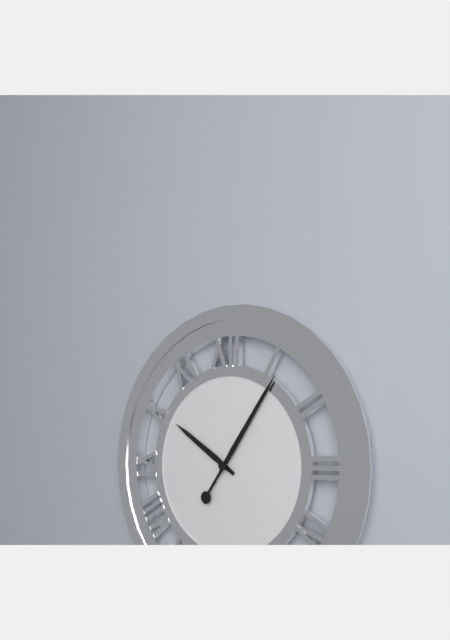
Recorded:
10.06
